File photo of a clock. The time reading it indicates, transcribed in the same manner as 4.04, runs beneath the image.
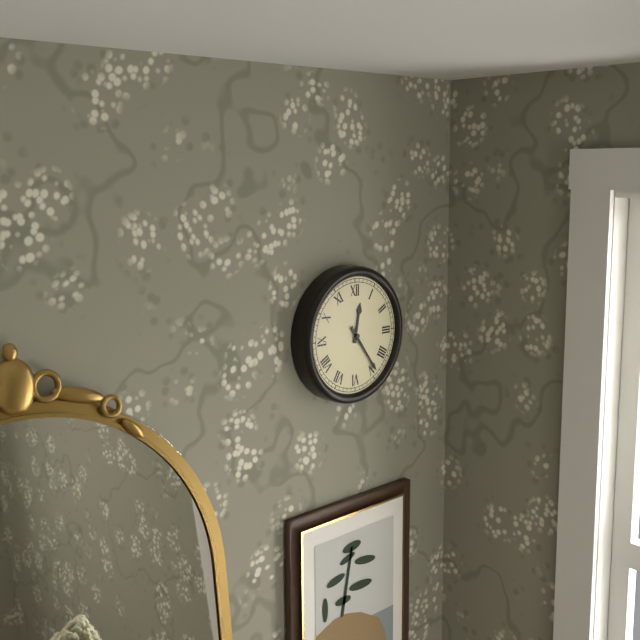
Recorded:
12.24
